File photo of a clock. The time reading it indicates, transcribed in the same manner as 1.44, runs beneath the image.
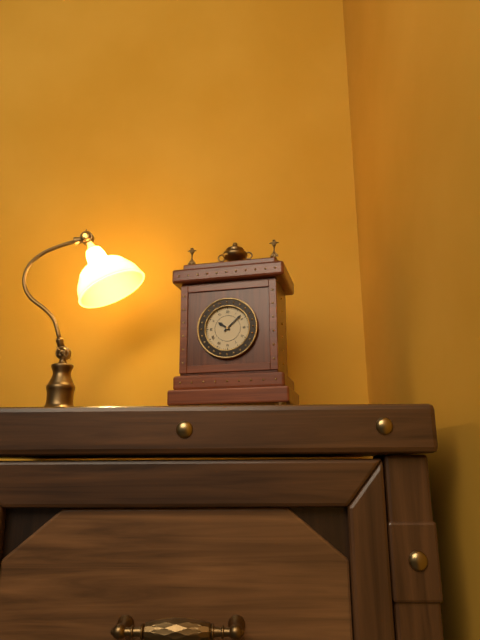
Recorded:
10.08
